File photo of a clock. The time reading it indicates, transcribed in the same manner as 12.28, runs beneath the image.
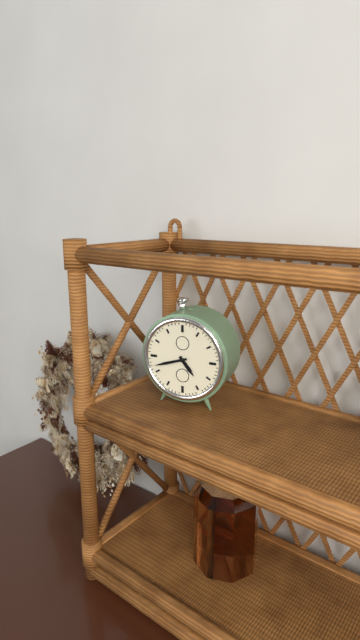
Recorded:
4.42
